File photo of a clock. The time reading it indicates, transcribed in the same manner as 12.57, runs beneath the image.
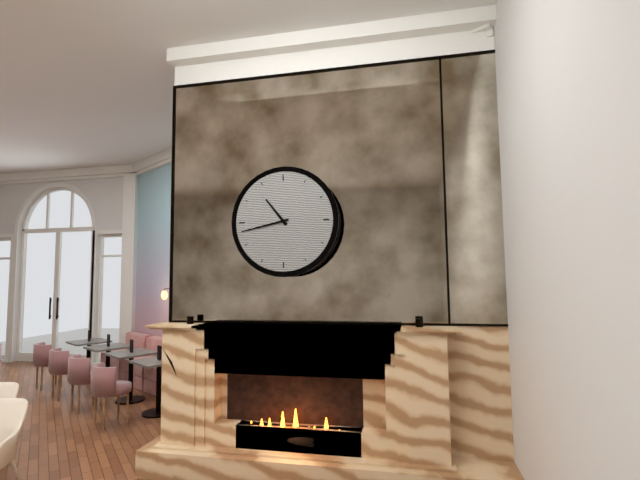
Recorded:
10.43
